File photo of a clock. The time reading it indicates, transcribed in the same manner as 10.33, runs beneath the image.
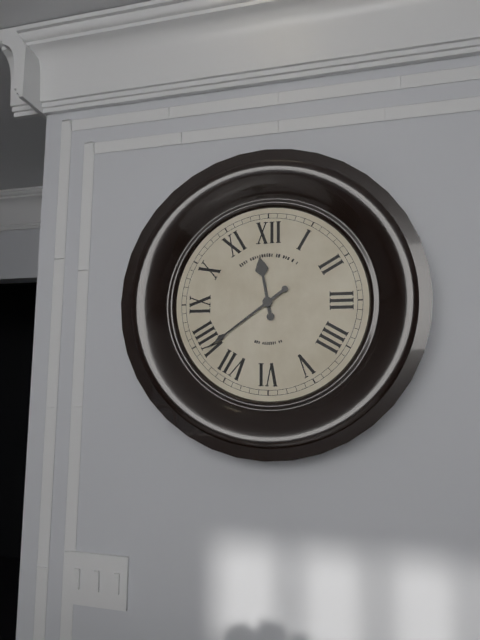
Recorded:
11.39
